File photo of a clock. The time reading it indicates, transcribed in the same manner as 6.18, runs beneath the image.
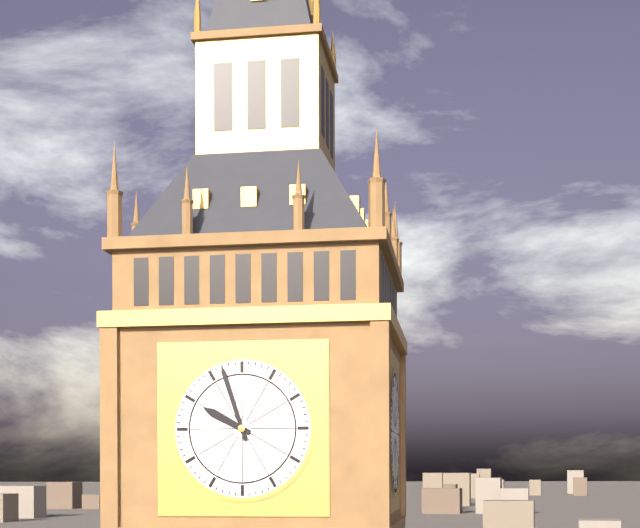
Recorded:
9.57
